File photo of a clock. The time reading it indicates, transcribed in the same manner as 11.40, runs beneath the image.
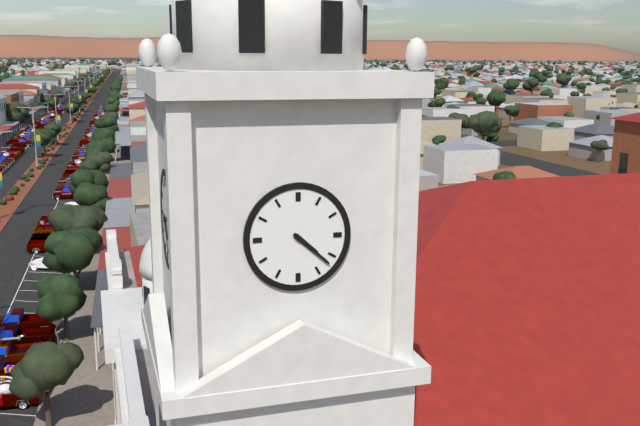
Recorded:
4.22
